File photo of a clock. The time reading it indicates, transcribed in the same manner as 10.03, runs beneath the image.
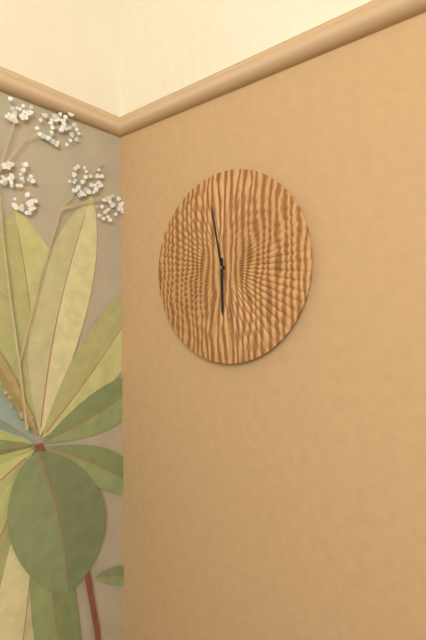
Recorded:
5.58
